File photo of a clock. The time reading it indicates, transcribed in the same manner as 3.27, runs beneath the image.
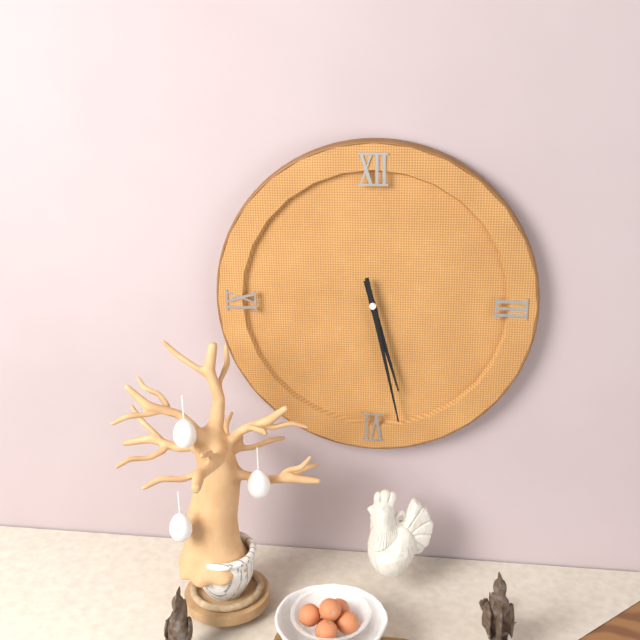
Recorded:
5.28
